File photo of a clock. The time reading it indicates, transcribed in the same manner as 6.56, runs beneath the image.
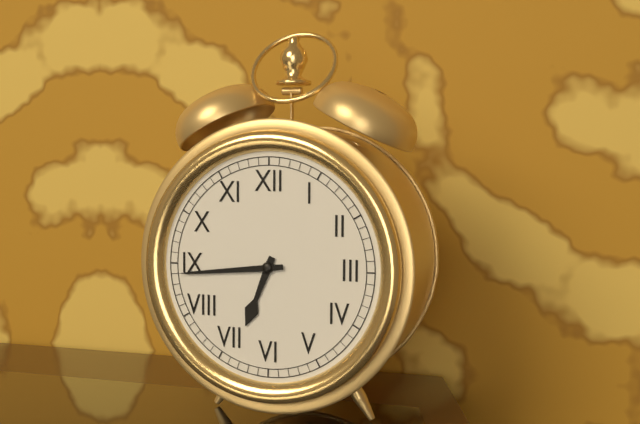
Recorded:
6.44
